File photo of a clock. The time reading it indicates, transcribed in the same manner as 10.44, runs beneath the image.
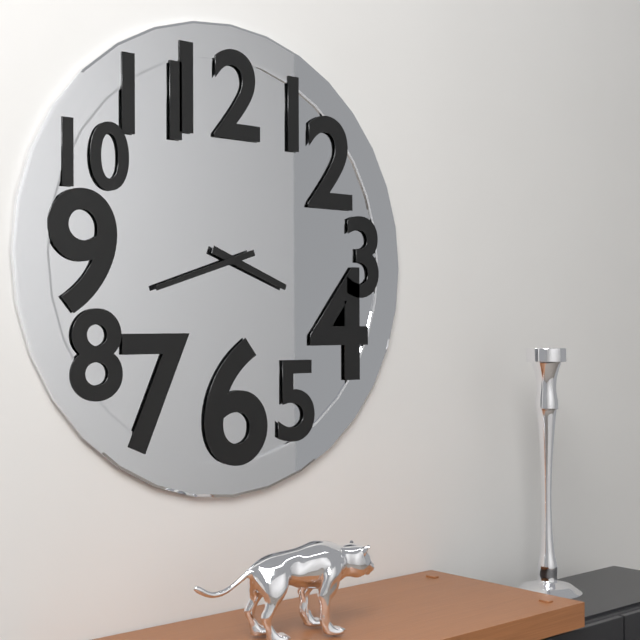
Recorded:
3.42
